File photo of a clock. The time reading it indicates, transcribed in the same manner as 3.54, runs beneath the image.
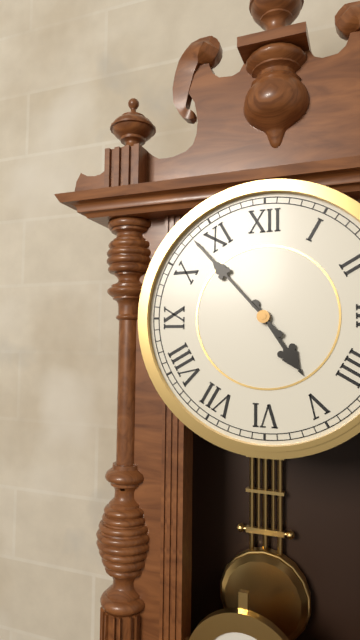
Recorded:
4.53
